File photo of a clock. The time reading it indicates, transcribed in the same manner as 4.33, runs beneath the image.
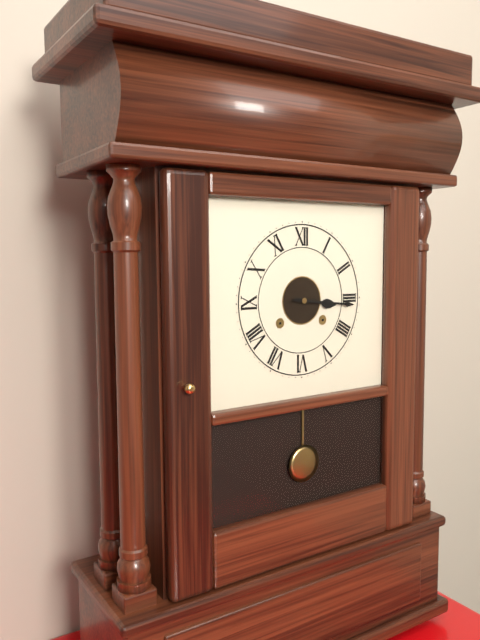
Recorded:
3.16
